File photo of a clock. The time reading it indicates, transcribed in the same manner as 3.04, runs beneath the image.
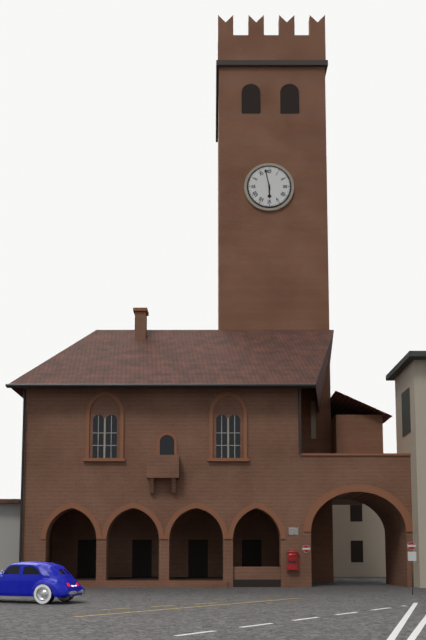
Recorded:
5.58
